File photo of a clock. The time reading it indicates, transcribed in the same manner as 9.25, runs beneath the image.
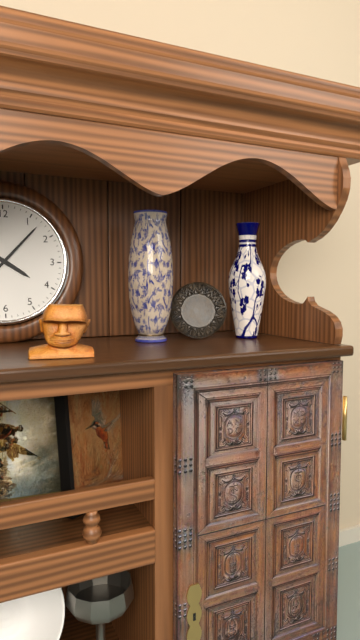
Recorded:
4.07
